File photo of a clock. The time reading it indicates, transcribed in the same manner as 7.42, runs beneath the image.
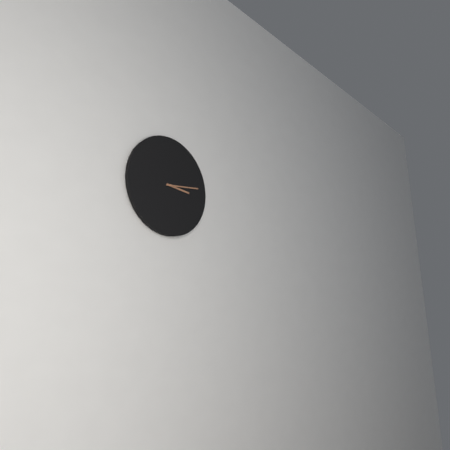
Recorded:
3.14
